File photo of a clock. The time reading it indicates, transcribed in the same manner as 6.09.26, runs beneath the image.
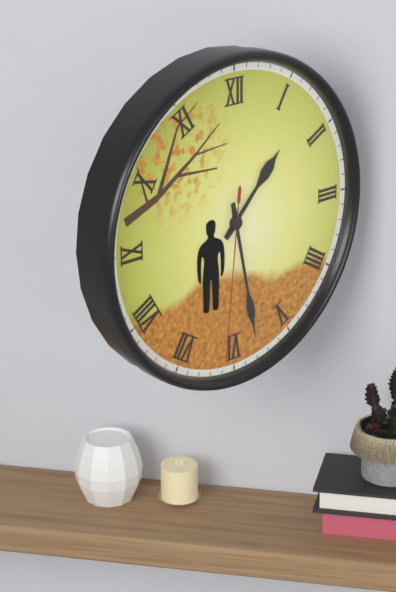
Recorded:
1.28.31
